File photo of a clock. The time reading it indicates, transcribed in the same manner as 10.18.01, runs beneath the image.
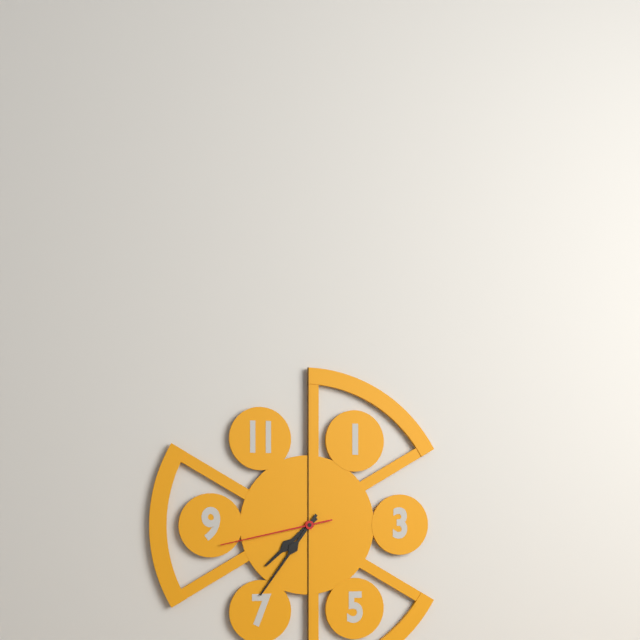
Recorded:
7.36.43
